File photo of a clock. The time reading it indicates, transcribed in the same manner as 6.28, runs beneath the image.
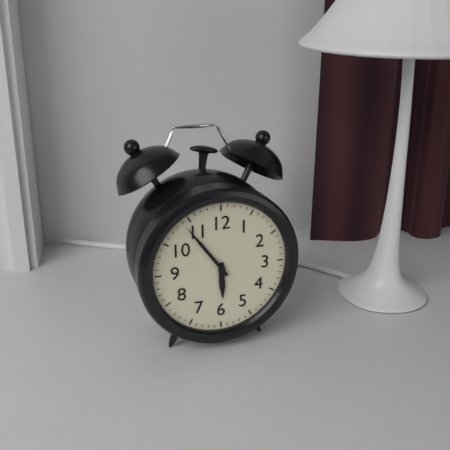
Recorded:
5.54
